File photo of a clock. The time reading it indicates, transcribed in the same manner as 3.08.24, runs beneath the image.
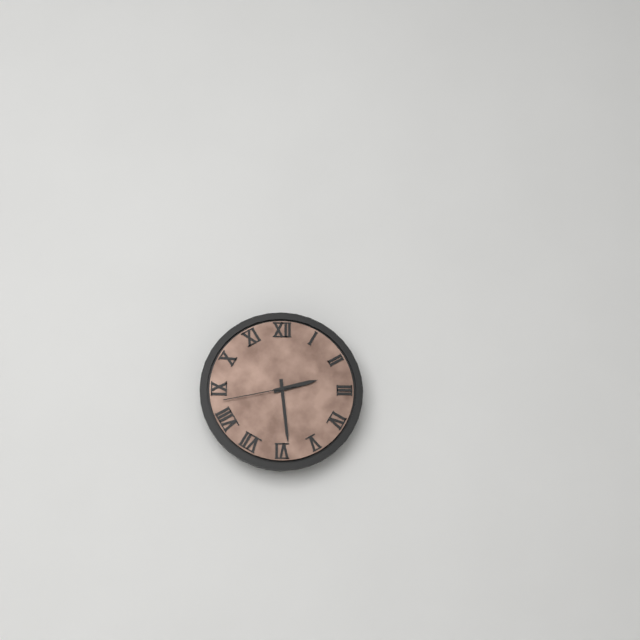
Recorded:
2.29.43
